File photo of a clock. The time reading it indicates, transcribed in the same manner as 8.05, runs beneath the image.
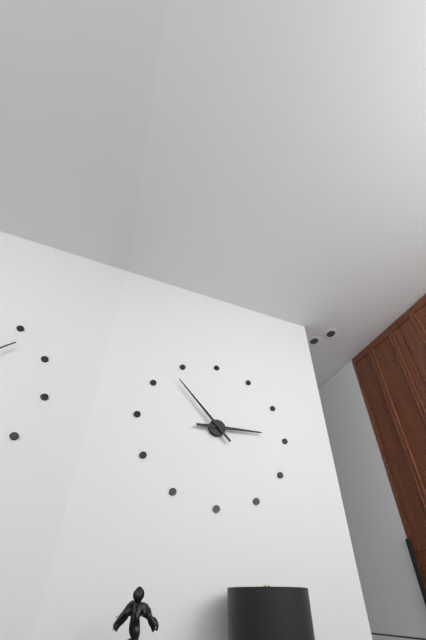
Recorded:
2.53
